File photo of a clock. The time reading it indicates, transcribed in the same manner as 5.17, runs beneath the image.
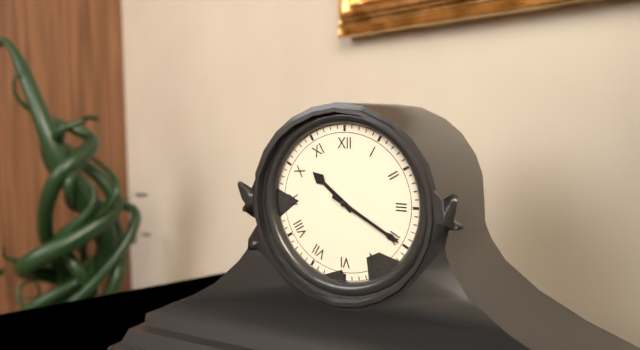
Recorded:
10.20
